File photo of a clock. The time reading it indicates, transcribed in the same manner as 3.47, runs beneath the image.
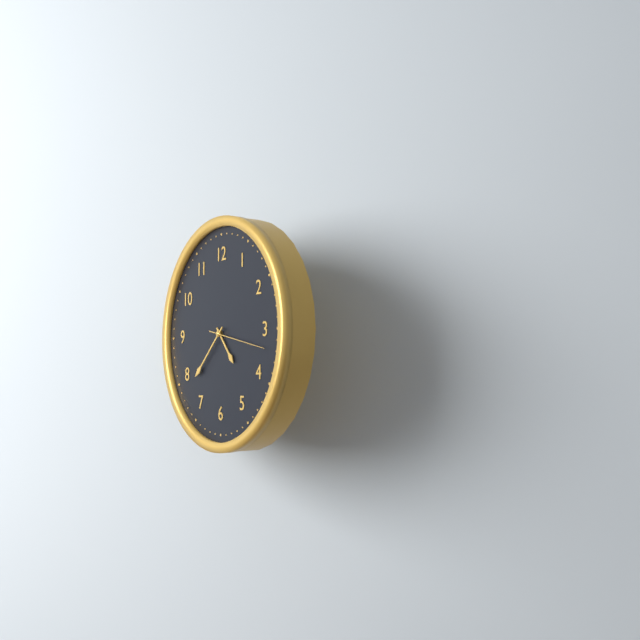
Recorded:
4.38
